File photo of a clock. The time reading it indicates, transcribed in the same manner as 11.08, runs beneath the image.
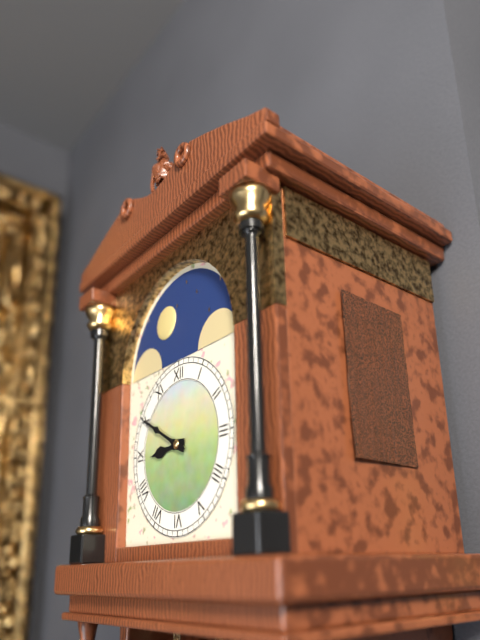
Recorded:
8.50
